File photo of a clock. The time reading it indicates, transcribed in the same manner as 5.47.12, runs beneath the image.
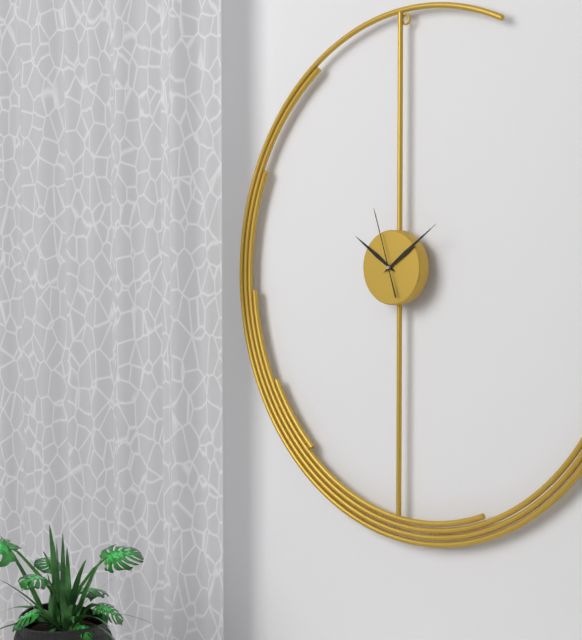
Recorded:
10.09.57
